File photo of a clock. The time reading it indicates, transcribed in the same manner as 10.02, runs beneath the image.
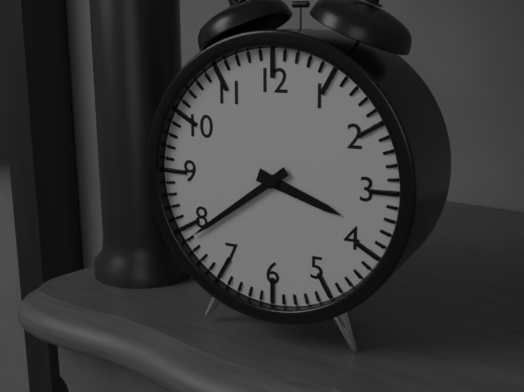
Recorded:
3.39
